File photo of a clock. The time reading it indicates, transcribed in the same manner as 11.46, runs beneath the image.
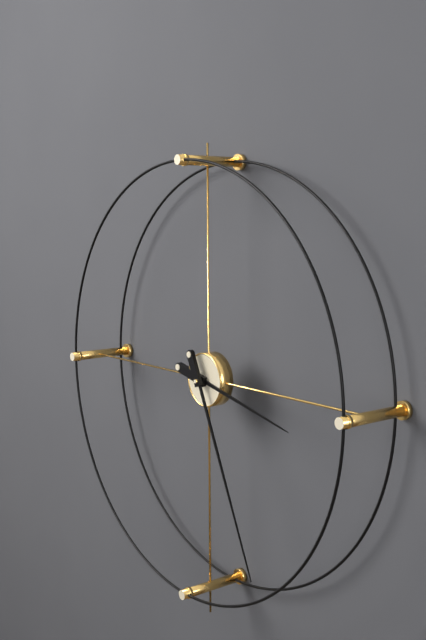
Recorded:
3.26
